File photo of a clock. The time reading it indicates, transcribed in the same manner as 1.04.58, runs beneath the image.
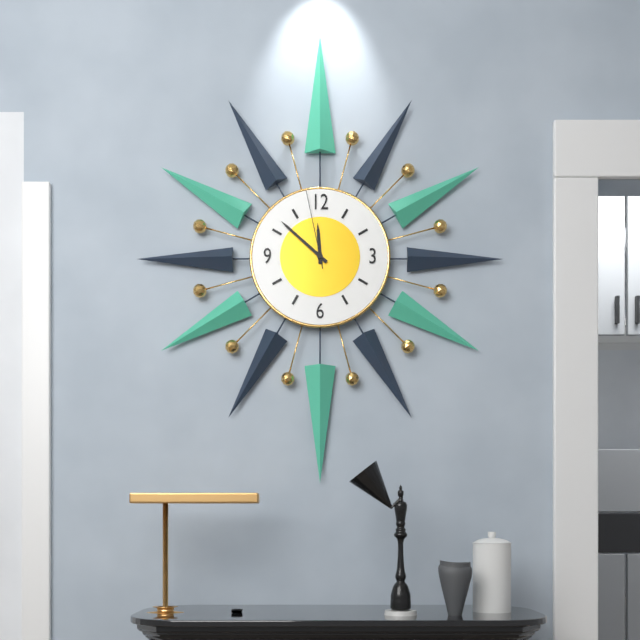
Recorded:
11.52.58
